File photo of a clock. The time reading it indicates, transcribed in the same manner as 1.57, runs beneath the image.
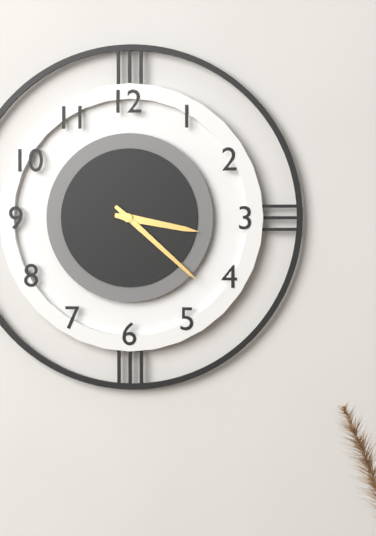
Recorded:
3.22
